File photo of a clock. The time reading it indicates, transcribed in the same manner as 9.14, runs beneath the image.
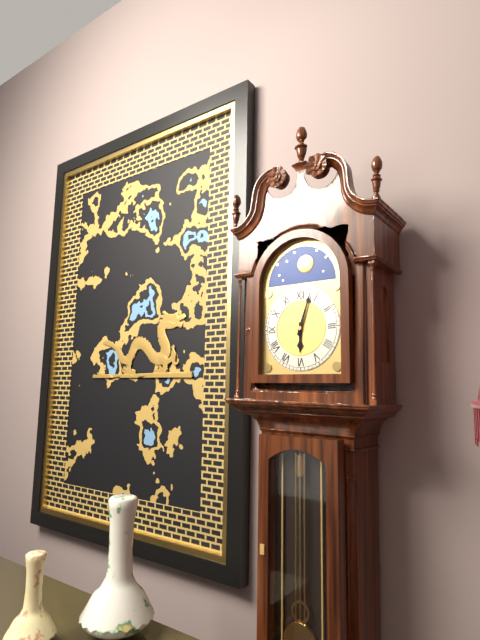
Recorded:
6.03
